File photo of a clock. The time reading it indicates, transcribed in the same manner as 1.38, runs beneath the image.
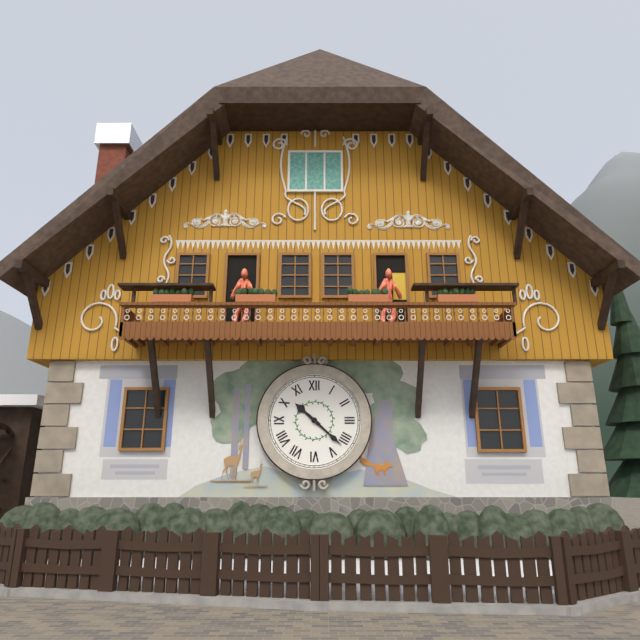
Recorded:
10.22
